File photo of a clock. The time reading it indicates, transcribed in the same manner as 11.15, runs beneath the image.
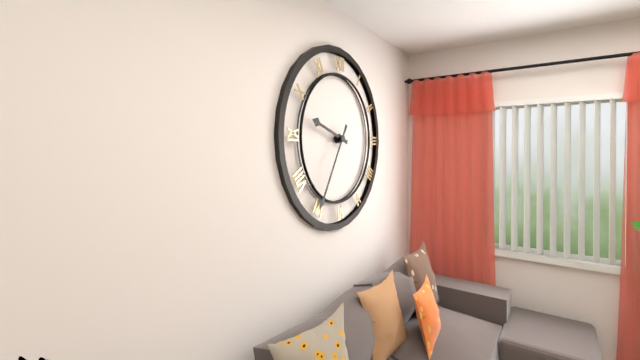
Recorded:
9.35
